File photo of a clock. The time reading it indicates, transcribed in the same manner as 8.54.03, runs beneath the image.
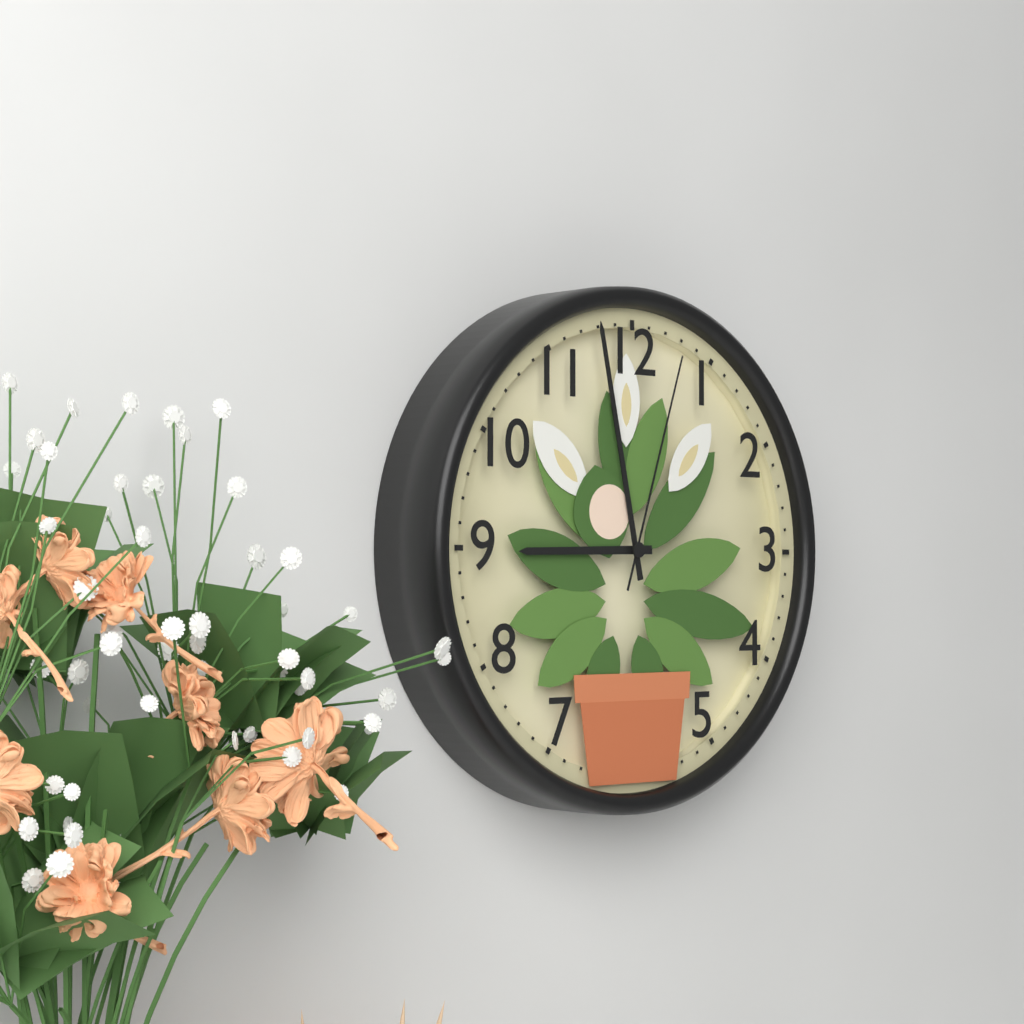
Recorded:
8.58.03
